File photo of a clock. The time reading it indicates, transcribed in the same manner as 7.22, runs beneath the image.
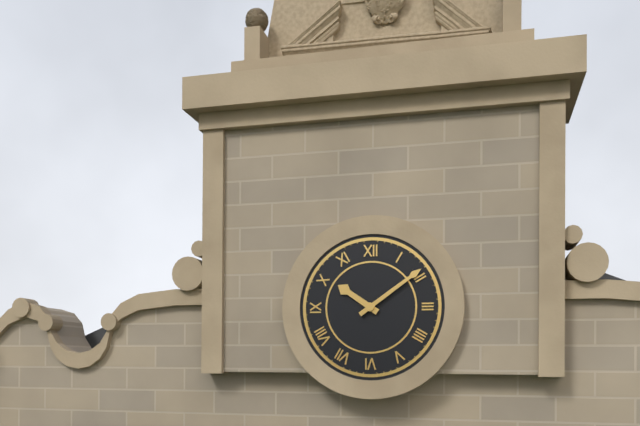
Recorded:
10.09
